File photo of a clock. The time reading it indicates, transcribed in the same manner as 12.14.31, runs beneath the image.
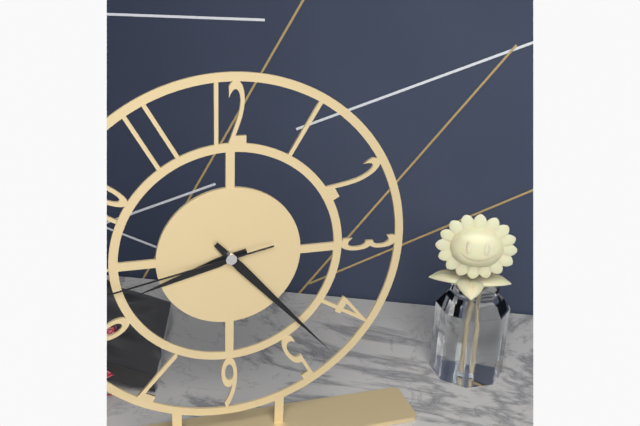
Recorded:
8.23.43
